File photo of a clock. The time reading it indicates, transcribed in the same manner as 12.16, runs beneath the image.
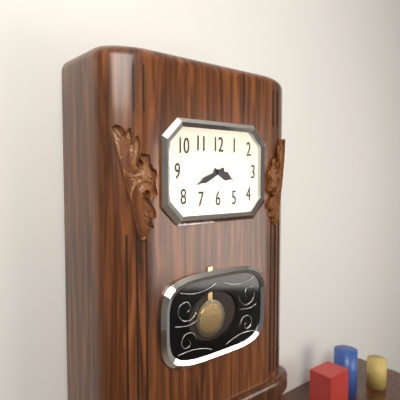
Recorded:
3.41
